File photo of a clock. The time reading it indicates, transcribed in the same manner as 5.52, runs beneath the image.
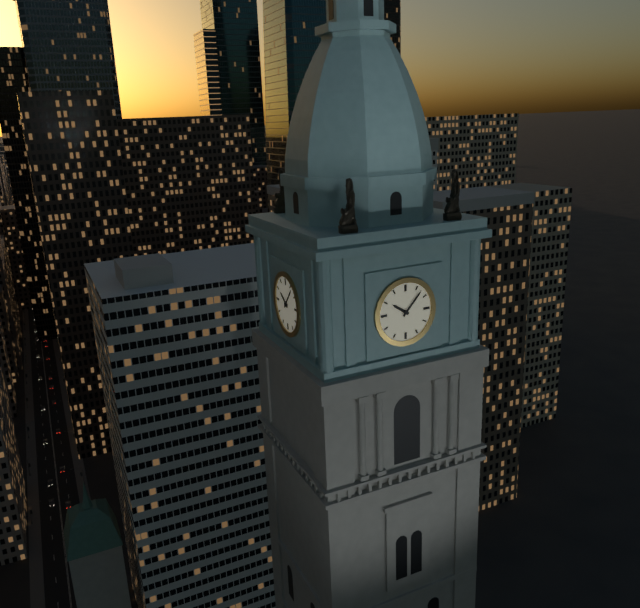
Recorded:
10.07
